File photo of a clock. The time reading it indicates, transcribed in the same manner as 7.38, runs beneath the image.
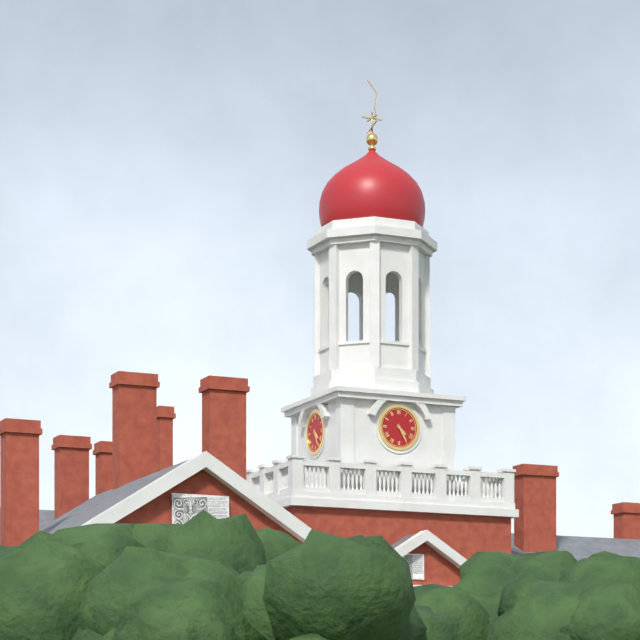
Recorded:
4.25
